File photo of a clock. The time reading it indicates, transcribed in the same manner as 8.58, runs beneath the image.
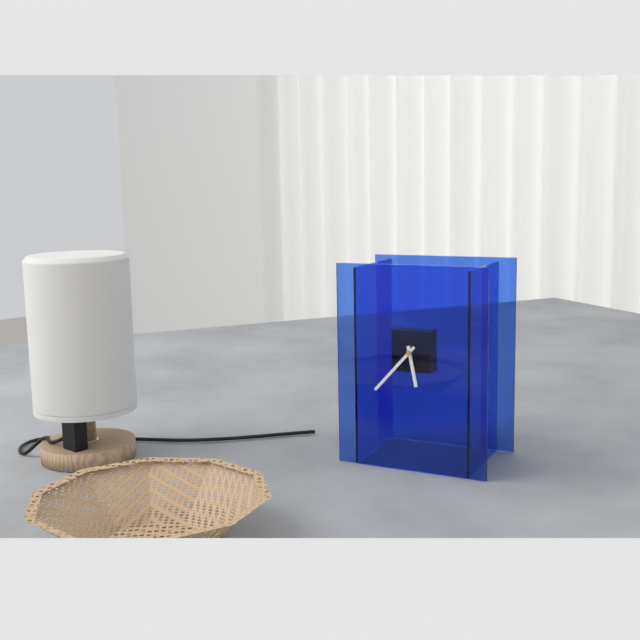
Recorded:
5.37
